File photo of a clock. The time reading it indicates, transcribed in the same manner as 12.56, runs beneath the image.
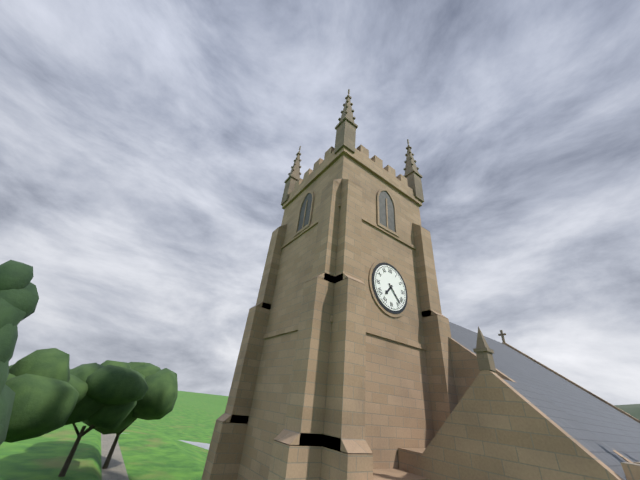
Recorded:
7.23
